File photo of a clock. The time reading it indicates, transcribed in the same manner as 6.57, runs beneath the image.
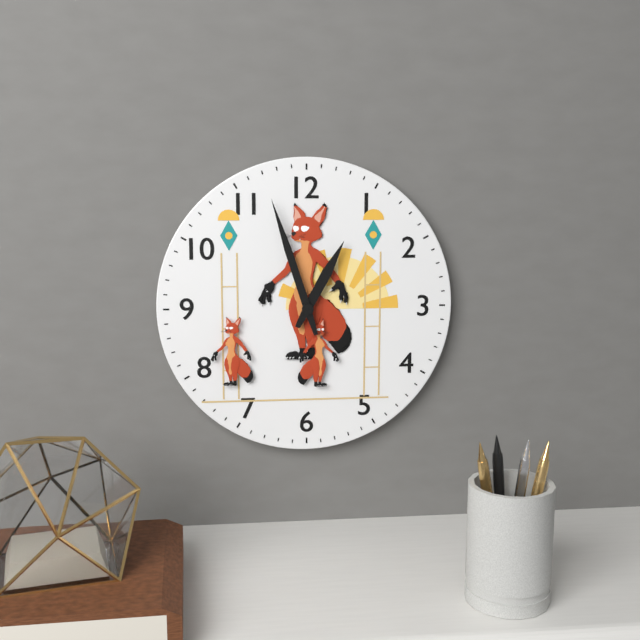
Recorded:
12.57
